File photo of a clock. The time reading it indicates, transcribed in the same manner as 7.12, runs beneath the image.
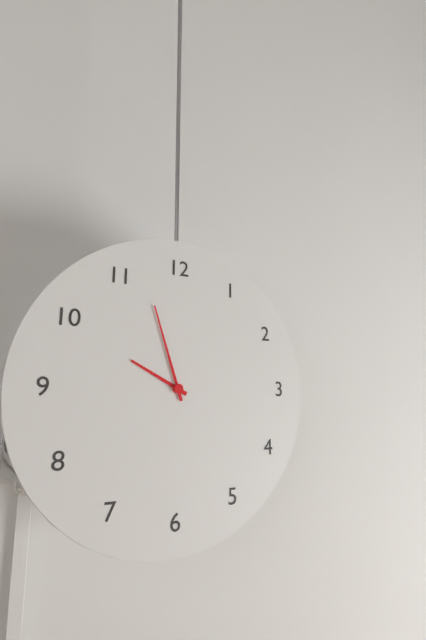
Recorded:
9.57
